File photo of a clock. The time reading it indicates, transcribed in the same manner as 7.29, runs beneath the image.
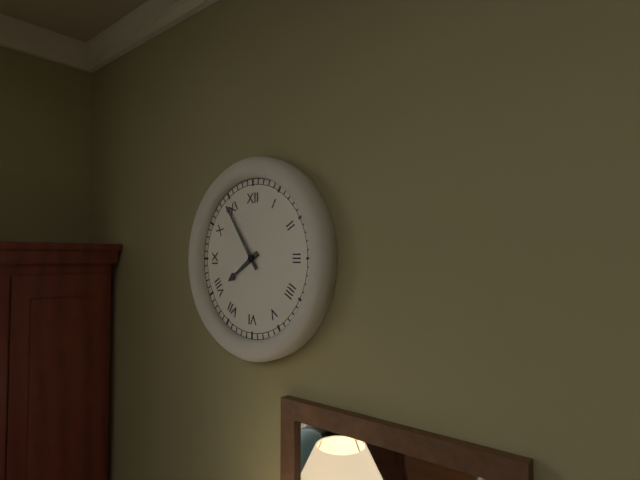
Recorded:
7.54
